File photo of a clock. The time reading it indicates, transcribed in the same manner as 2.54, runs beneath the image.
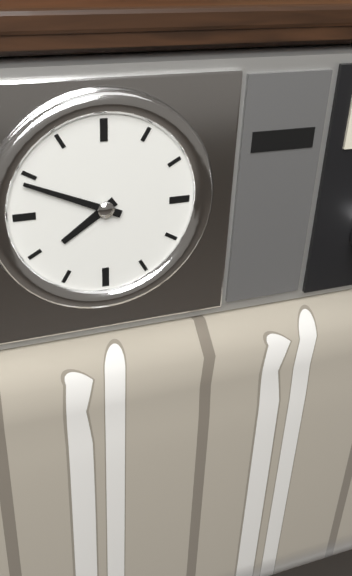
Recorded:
7.49
